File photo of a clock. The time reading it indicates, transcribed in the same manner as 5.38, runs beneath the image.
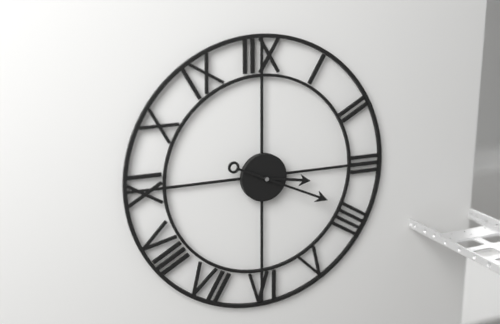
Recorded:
3.19
